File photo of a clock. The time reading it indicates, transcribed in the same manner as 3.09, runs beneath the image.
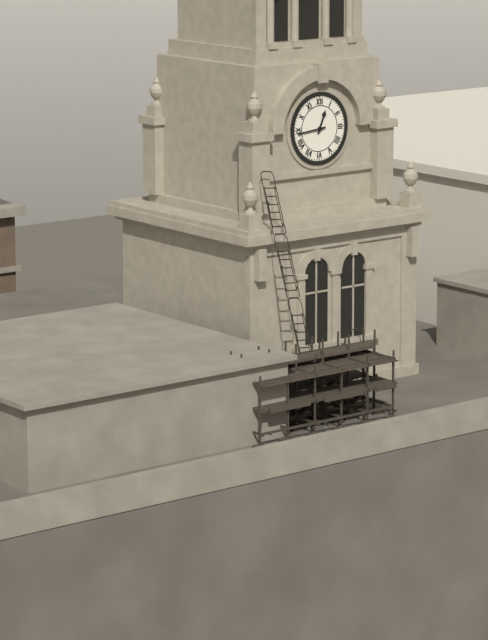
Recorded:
12.44
